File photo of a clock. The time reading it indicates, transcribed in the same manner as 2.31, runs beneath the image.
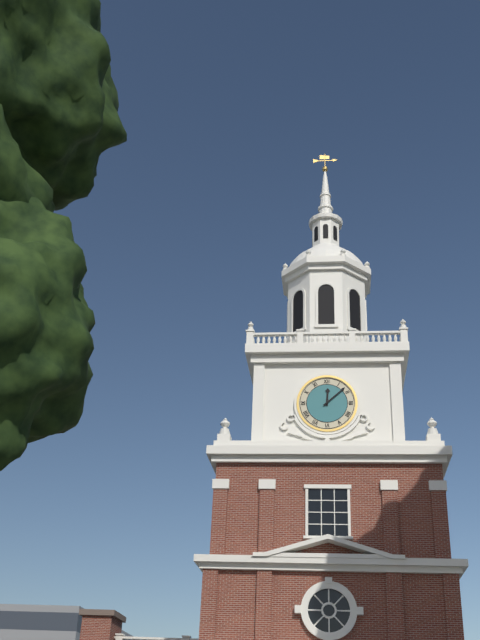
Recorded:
12.08
